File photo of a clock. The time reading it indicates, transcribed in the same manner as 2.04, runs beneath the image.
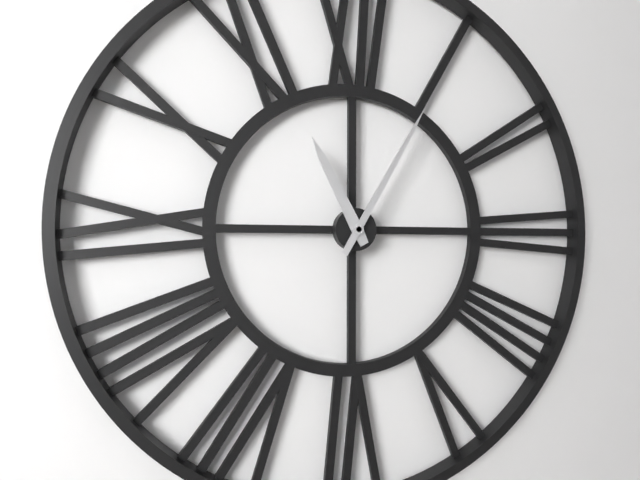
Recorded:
11.05
